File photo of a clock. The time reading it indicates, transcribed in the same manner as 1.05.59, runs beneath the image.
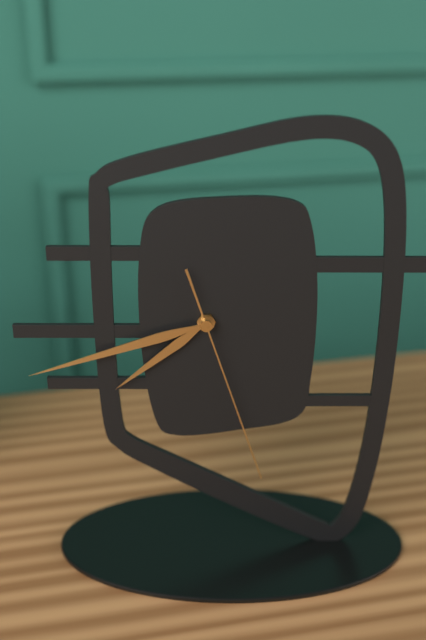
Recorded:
7.42.27
